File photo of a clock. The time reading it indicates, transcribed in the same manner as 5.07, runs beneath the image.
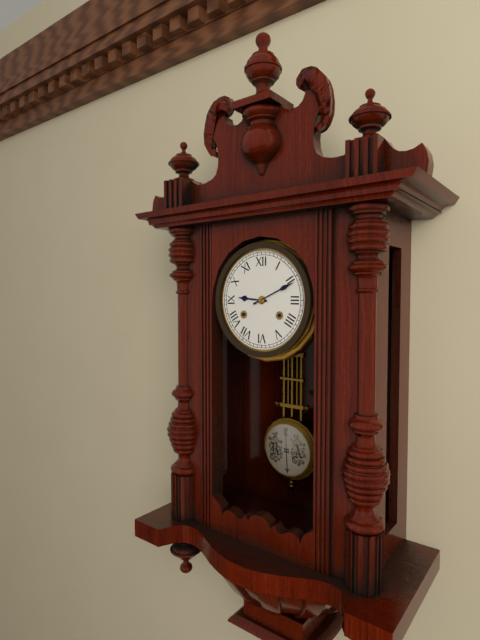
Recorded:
9.11
